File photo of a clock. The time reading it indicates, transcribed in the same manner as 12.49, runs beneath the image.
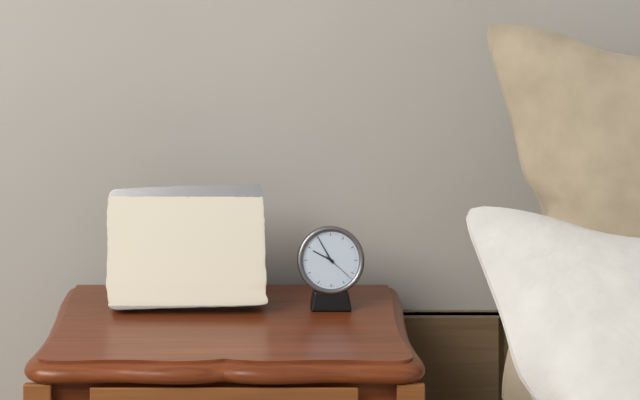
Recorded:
9.55
